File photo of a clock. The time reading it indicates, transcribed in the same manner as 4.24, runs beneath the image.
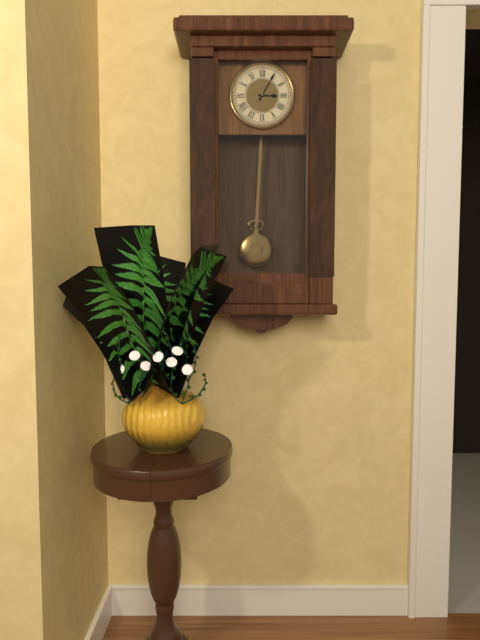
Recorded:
3.05
